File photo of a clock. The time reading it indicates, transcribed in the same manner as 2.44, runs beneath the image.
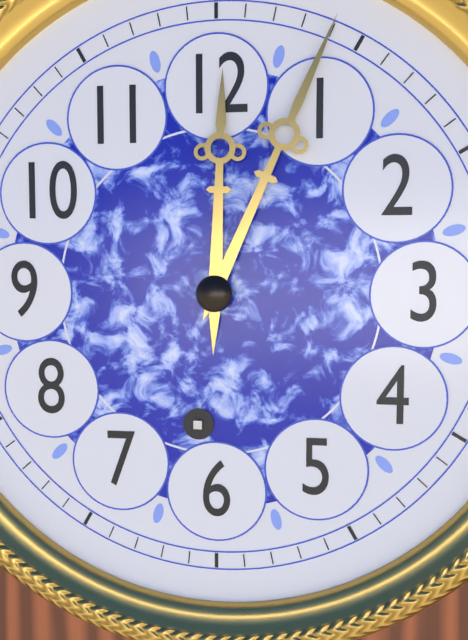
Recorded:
12.04
